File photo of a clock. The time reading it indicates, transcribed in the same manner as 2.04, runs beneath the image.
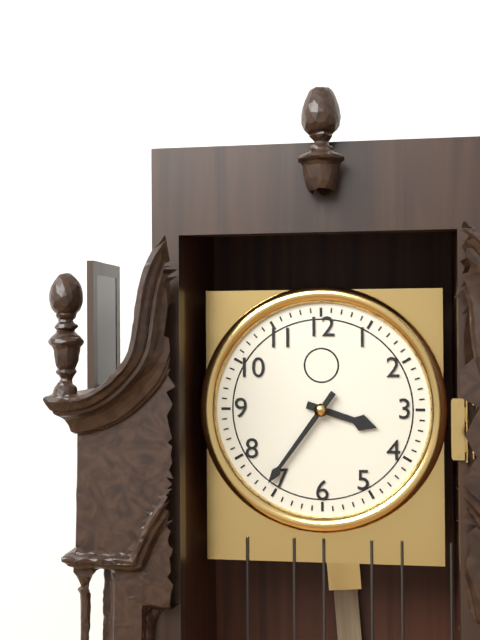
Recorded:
3.36
